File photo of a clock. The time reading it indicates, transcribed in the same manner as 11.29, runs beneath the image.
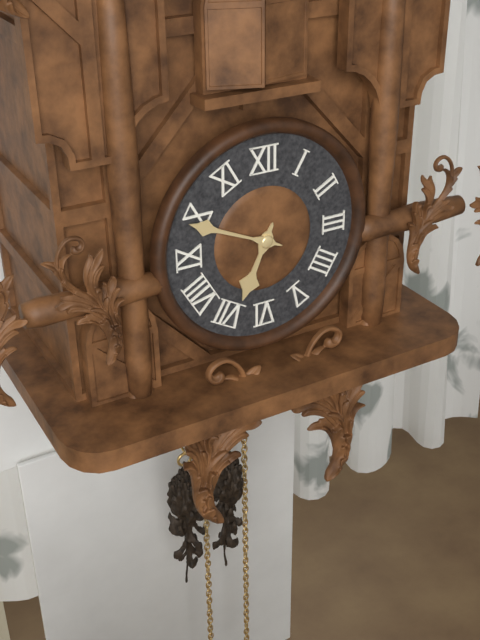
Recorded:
6.49
